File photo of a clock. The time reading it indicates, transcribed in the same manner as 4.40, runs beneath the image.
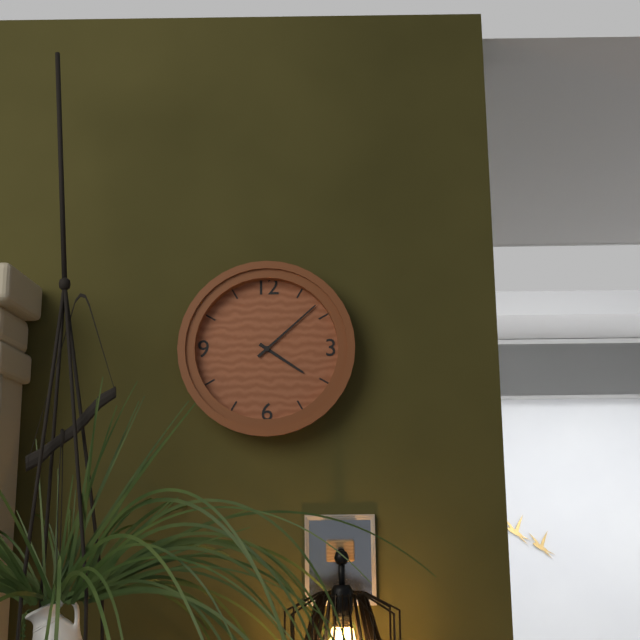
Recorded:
4.08
